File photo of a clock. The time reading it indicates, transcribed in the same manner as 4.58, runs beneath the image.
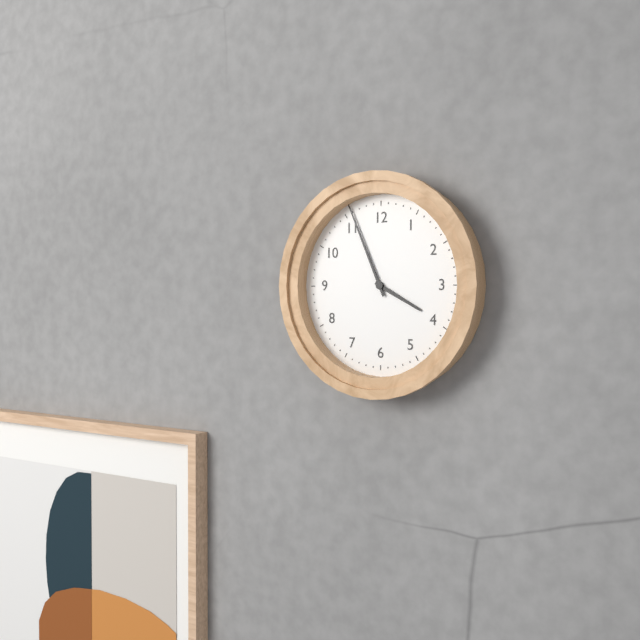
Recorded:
3.56
